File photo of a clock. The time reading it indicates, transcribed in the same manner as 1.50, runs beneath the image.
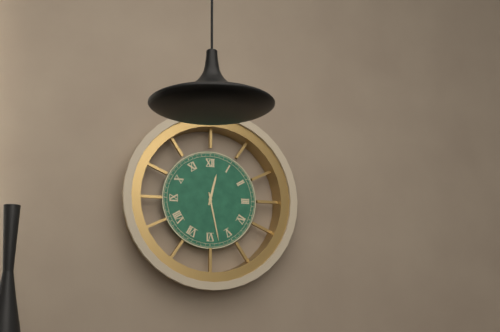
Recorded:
12.28
